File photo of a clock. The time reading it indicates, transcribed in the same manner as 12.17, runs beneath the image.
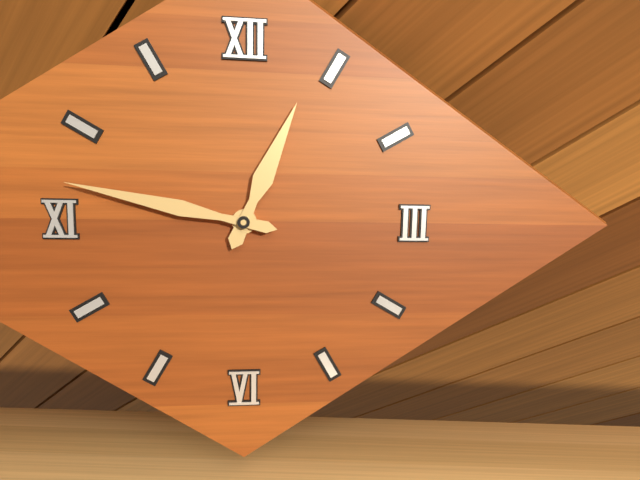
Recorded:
12.47
